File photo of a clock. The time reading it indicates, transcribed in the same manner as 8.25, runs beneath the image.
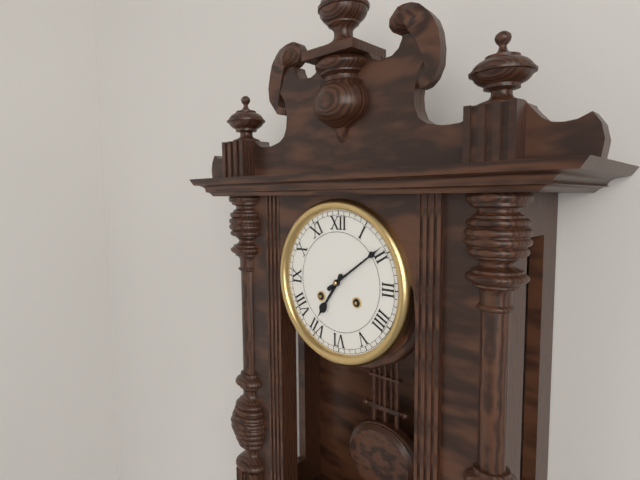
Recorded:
7.09
